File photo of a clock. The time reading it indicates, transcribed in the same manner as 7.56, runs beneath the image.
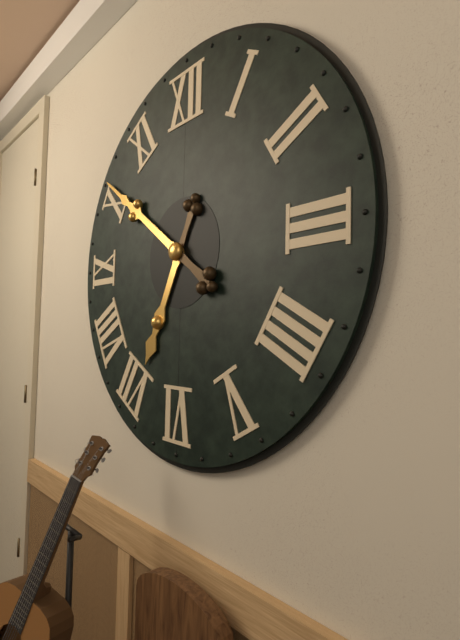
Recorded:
6.51
